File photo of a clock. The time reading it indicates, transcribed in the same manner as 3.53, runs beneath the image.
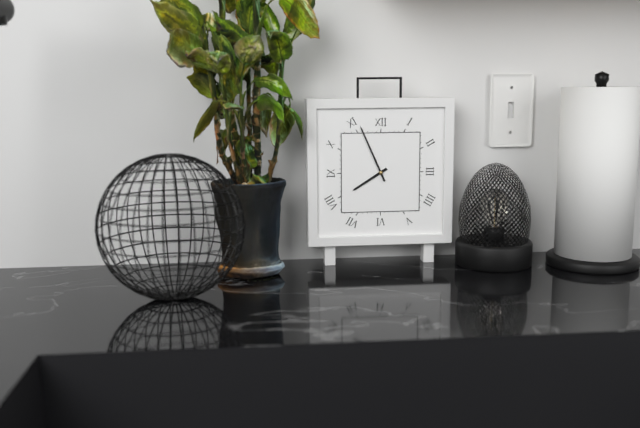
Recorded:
7.56
